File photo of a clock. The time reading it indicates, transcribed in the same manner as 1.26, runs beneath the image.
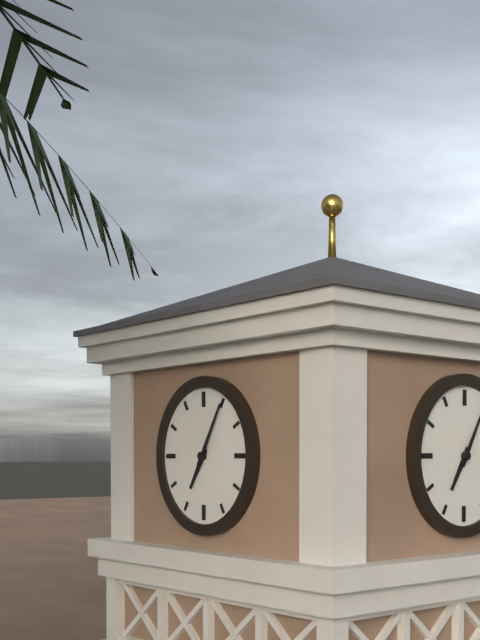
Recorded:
7.05
